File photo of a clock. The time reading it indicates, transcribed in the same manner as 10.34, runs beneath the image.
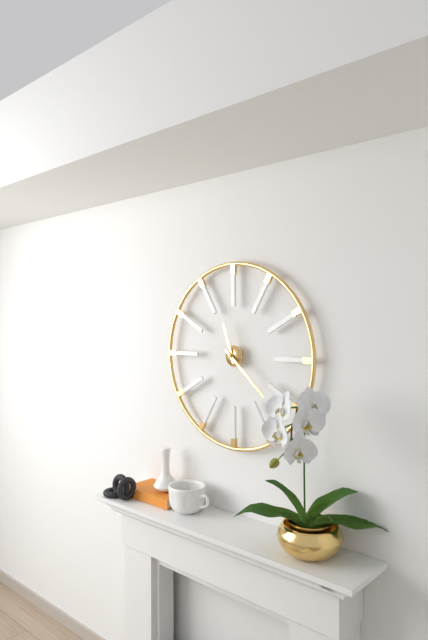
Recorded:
11.22
